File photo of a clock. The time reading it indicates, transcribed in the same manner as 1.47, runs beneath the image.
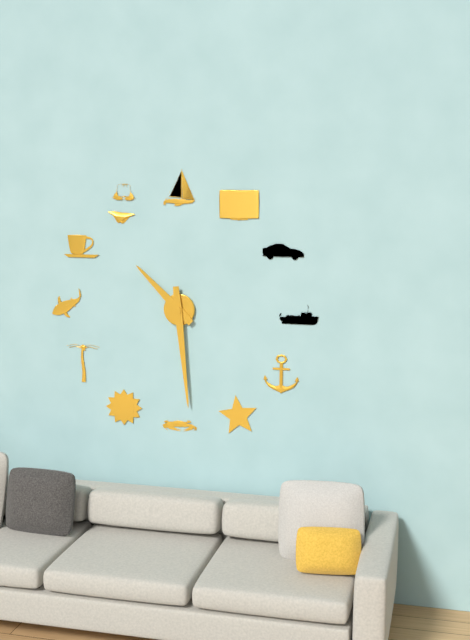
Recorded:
10.29
